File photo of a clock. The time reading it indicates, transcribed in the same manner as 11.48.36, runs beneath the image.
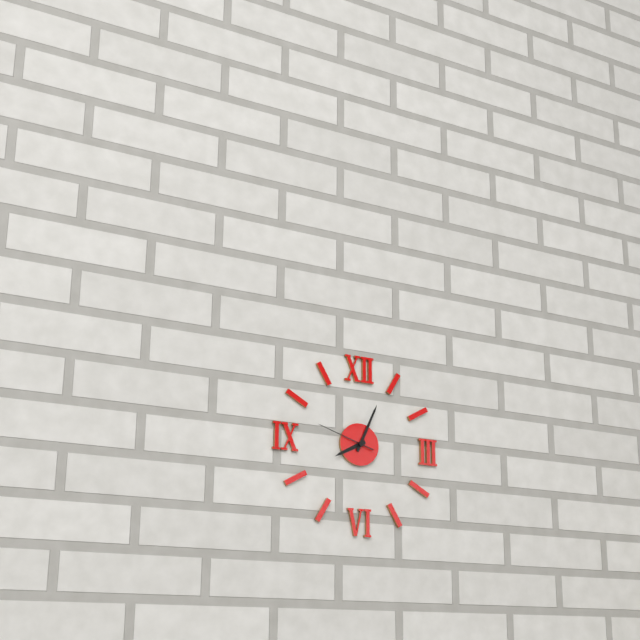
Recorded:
8.04.48
